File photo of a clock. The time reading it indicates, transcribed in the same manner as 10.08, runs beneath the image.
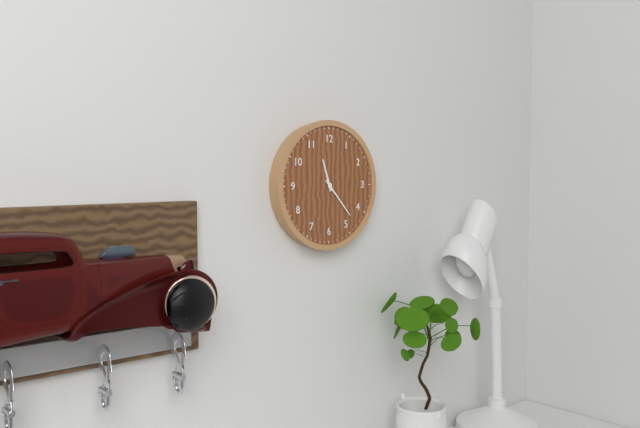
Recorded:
11.23
